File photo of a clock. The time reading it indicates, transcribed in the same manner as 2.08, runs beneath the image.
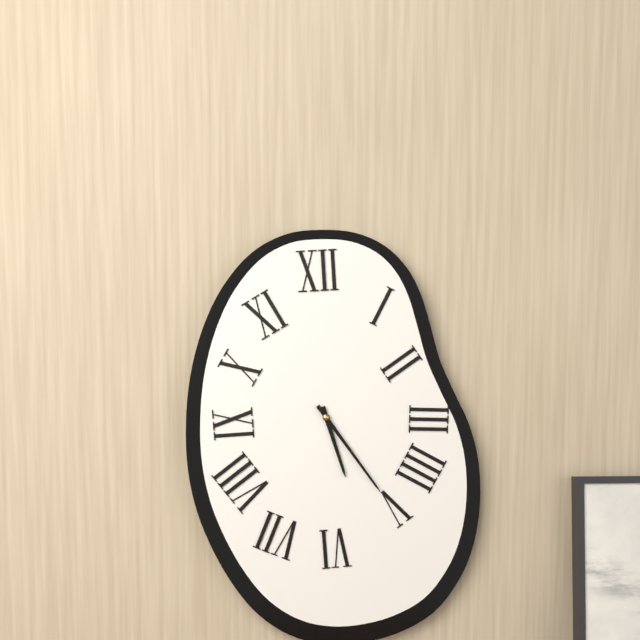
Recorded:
5.24
